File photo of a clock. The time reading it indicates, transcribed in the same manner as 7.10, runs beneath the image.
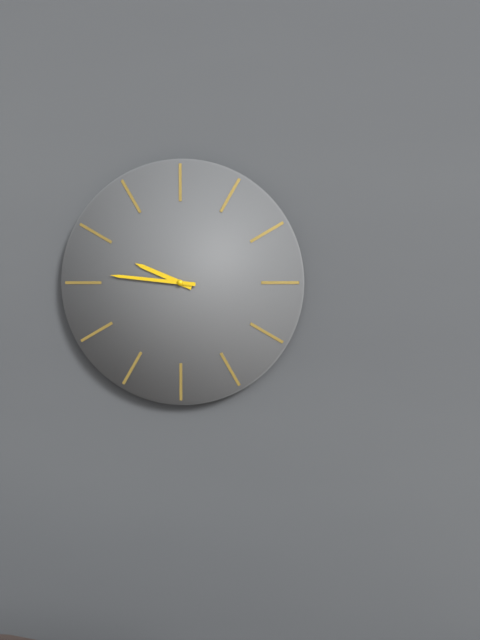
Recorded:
9.46
